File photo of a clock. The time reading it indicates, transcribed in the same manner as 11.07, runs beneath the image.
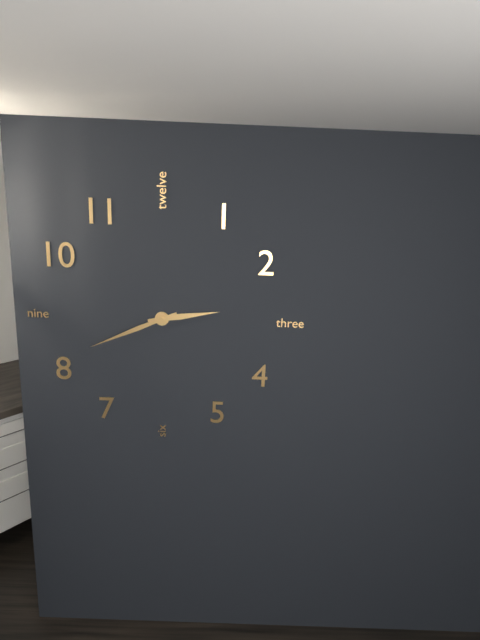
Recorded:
2.41
